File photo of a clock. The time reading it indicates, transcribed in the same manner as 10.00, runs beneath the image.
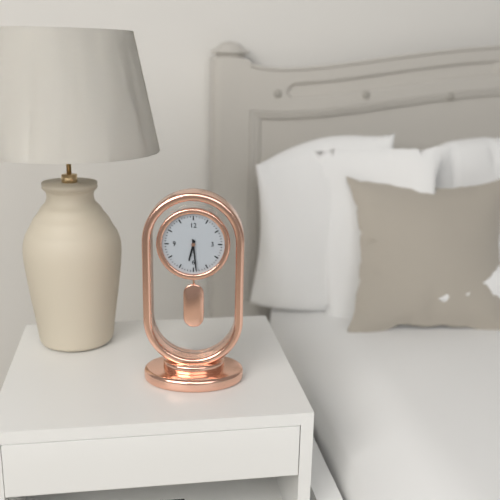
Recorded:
6.29
